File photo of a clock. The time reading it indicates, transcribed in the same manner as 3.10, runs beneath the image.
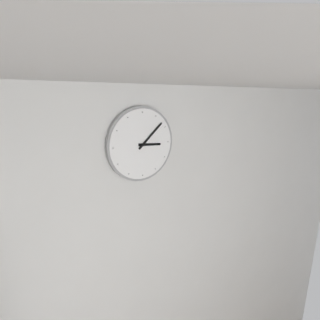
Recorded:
3.08
